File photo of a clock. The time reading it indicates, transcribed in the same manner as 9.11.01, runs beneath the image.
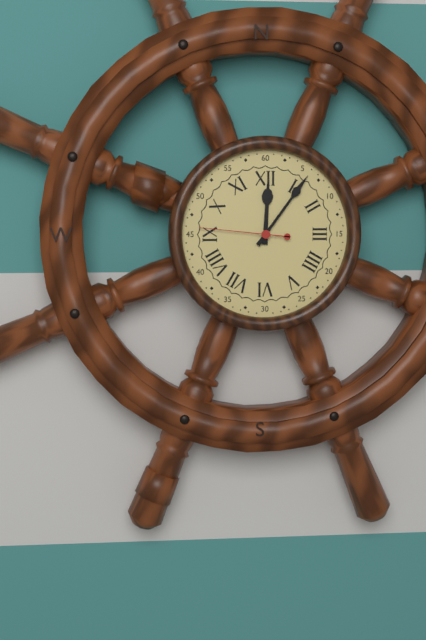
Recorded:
12.06.46
